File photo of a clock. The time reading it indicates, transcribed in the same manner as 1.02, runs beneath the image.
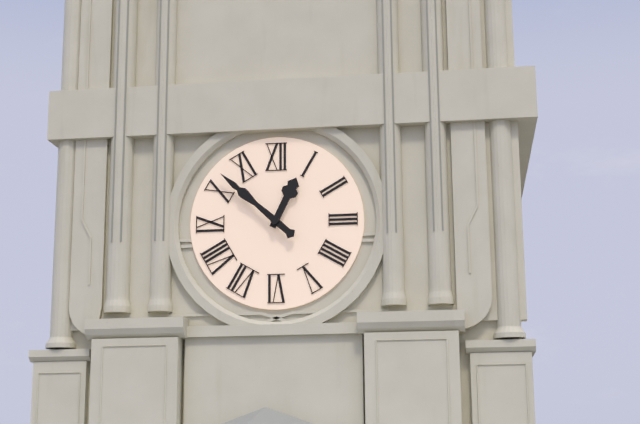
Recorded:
12.52
